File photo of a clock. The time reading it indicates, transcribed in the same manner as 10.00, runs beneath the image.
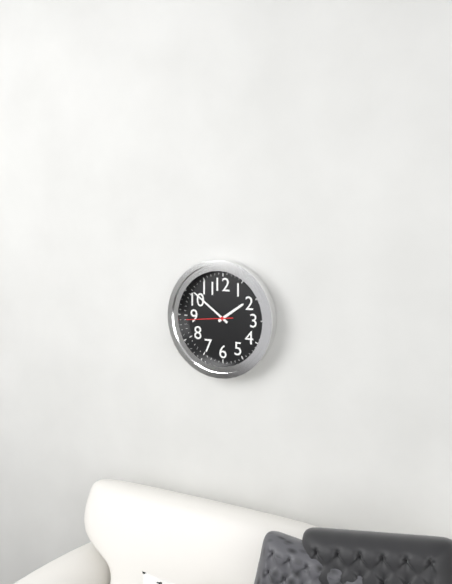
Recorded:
1.51
